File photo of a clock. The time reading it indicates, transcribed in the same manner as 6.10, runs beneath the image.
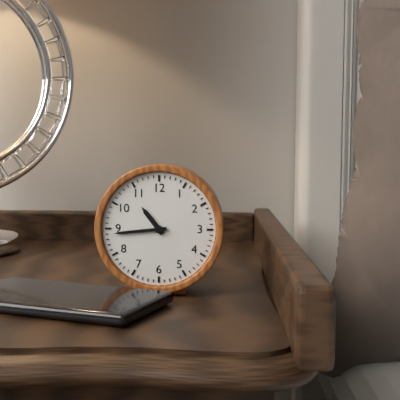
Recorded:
10.44
